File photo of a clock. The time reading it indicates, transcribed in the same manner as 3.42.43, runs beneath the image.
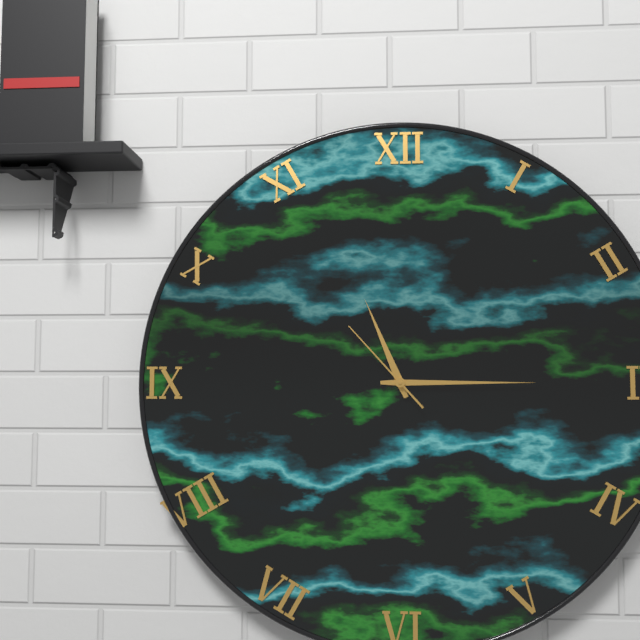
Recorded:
11.15.53
